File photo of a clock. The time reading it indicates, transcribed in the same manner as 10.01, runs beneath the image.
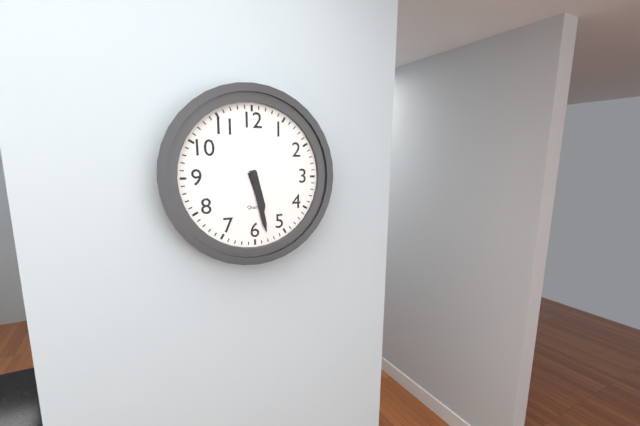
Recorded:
5.28
